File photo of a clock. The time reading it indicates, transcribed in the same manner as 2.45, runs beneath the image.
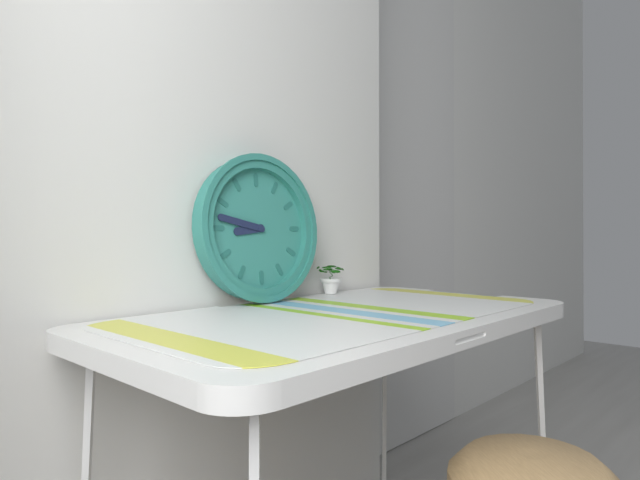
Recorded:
8.47
